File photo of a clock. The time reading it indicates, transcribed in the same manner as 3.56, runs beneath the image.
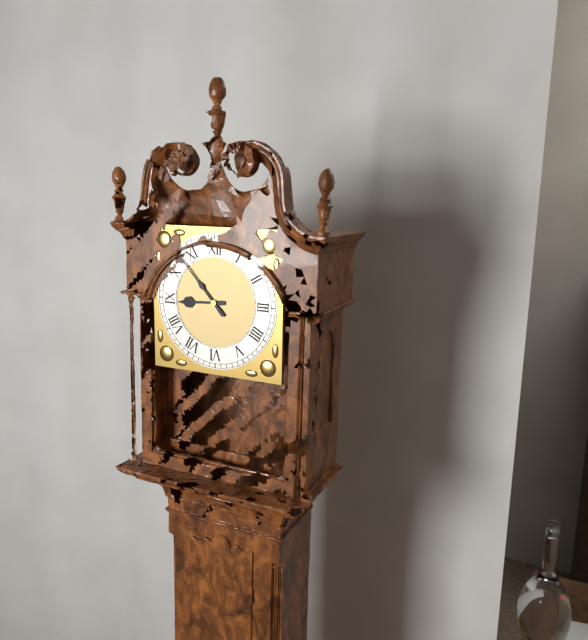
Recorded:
8.53
